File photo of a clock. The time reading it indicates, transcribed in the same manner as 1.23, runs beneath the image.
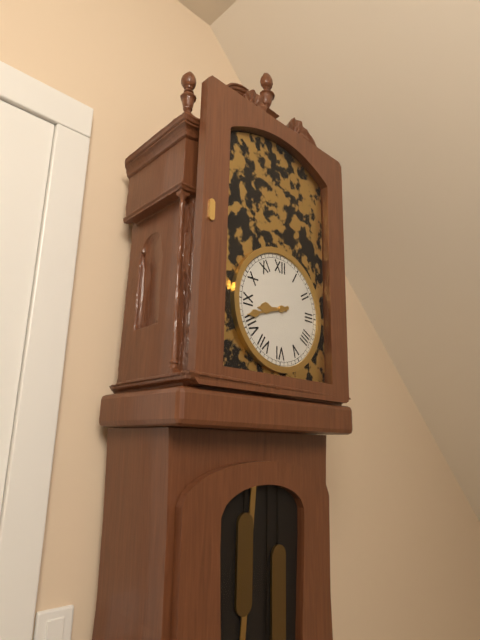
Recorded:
8.42
